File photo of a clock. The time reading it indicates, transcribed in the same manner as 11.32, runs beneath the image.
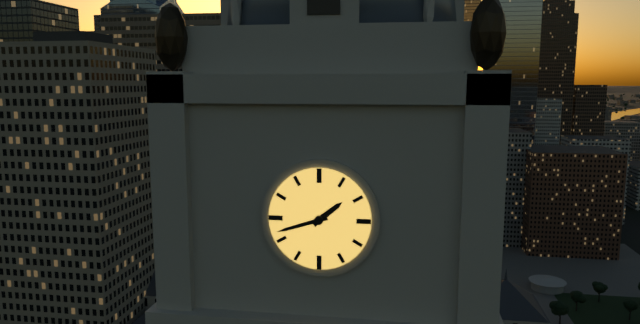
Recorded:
1.42
